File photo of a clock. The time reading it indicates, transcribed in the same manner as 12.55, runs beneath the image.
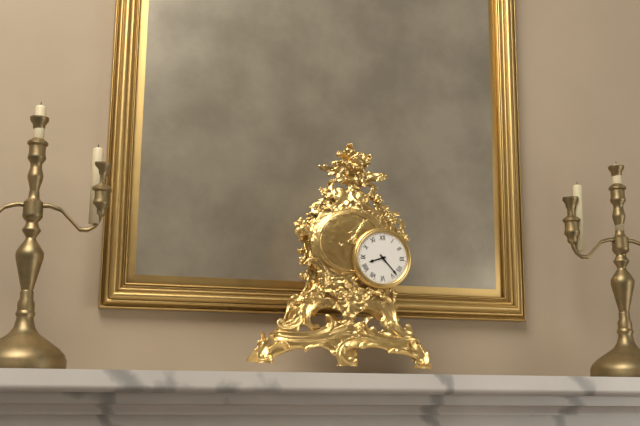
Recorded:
8.23
